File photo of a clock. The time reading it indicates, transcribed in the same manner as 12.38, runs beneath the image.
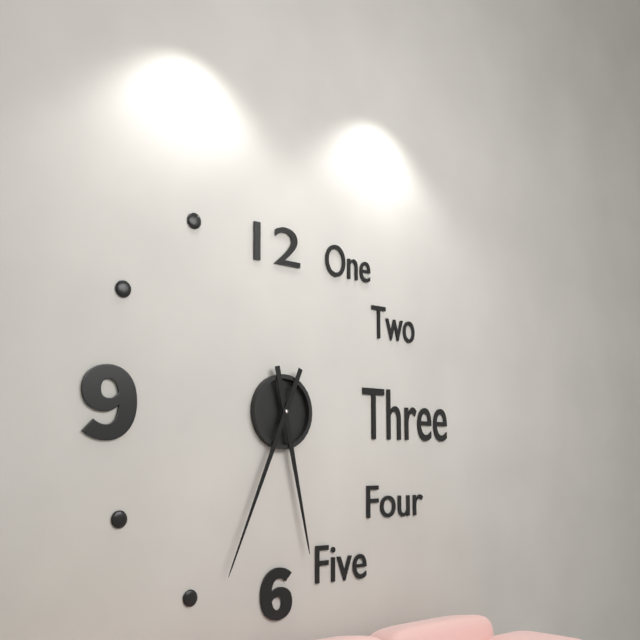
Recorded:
5.34
